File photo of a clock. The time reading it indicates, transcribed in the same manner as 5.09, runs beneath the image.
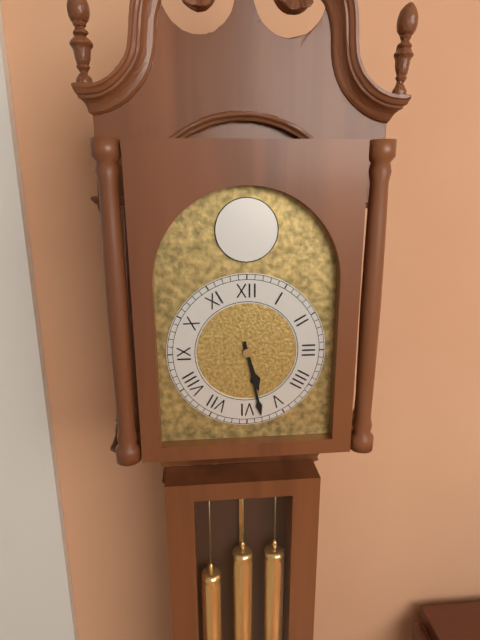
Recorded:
5.28
